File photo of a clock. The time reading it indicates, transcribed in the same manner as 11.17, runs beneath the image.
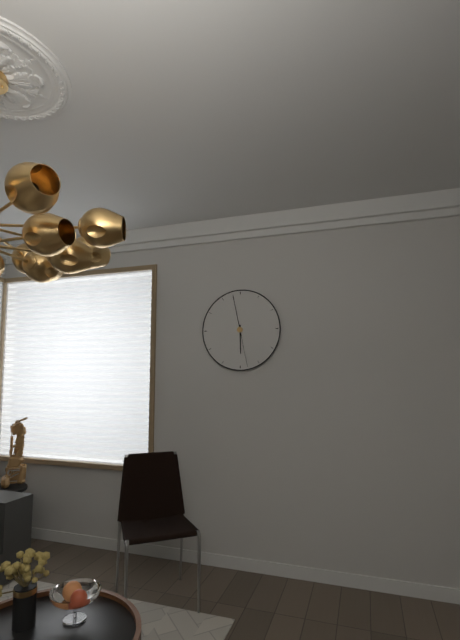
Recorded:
5.58
